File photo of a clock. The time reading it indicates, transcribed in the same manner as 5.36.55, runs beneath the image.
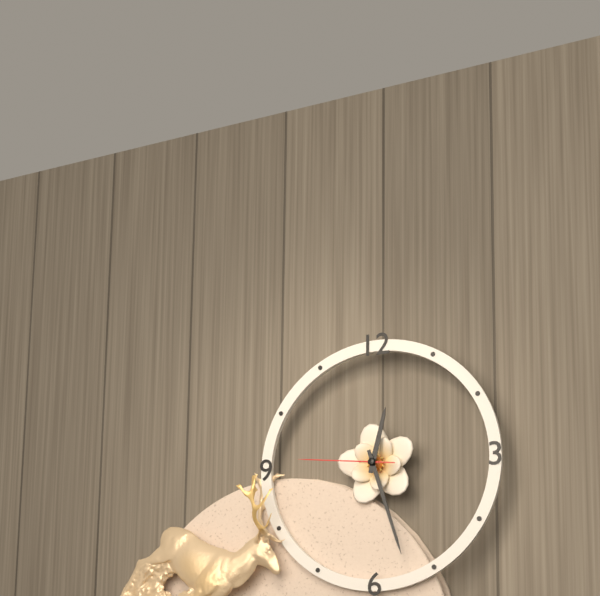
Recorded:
12.27.46
